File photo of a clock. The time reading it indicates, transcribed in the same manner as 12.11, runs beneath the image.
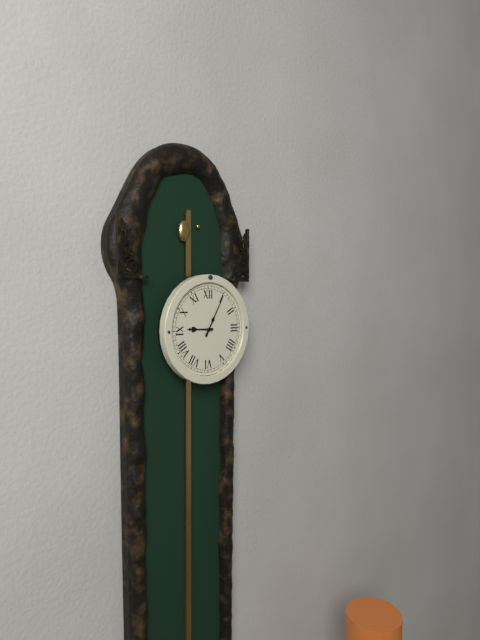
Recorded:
9.05
